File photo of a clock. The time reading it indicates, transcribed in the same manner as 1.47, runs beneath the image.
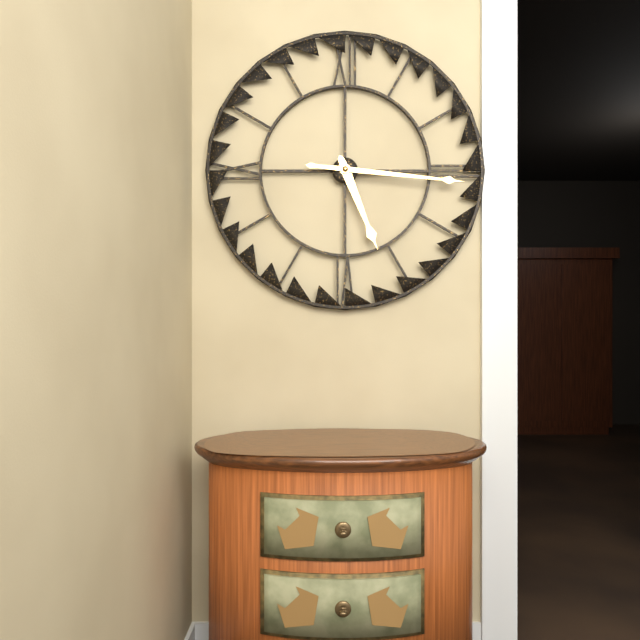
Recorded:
5.16
